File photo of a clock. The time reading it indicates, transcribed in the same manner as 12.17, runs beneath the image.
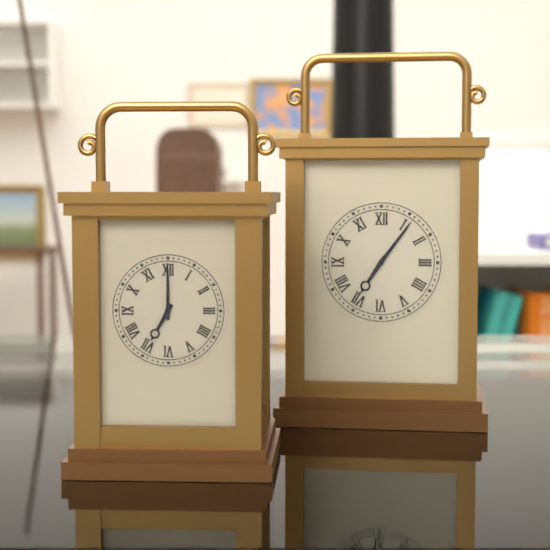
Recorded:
7.06
